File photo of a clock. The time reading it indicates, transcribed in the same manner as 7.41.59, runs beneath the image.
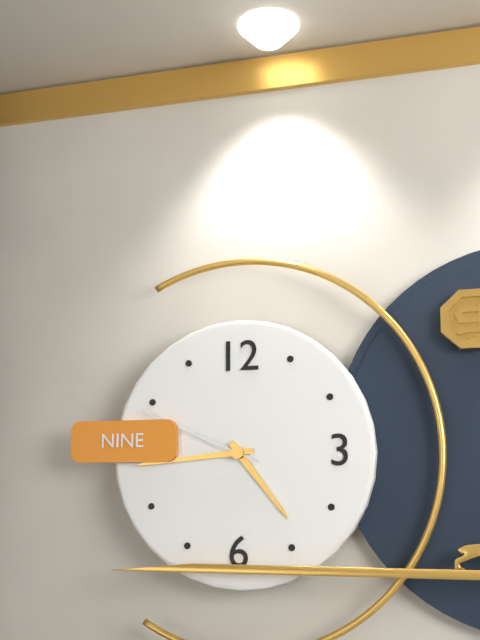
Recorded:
4.44.49
